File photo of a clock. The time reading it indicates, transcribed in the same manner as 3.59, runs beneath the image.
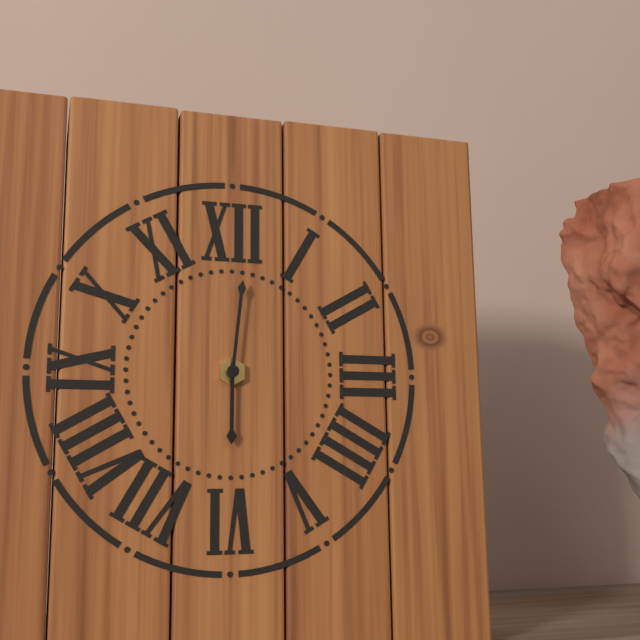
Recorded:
6.01
